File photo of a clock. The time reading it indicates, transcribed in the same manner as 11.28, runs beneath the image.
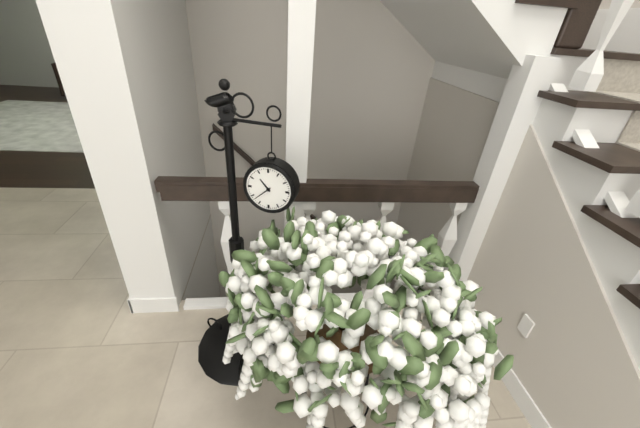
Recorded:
10.38
